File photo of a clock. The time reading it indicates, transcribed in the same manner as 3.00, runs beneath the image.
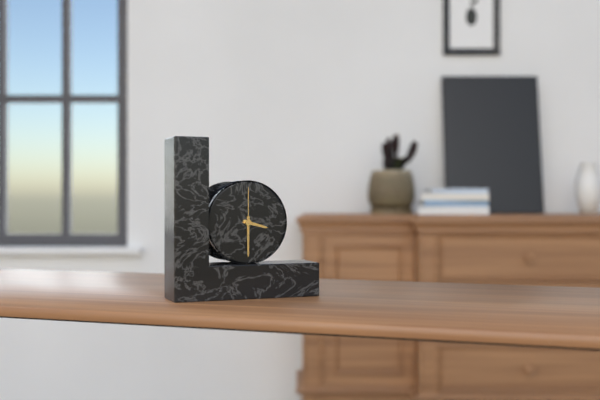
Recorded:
3.30
